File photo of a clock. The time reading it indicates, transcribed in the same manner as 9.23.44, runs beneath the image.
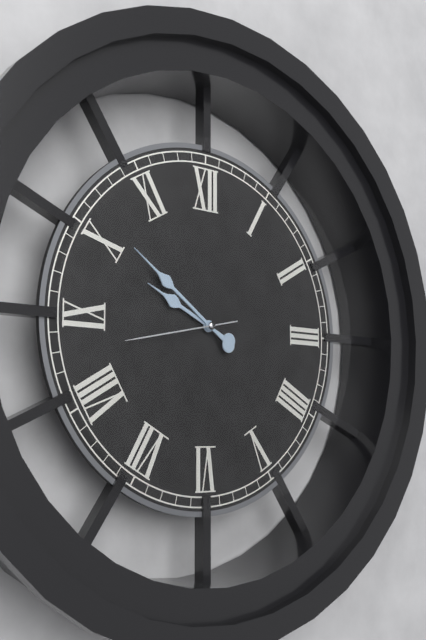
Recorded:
9.51.43
